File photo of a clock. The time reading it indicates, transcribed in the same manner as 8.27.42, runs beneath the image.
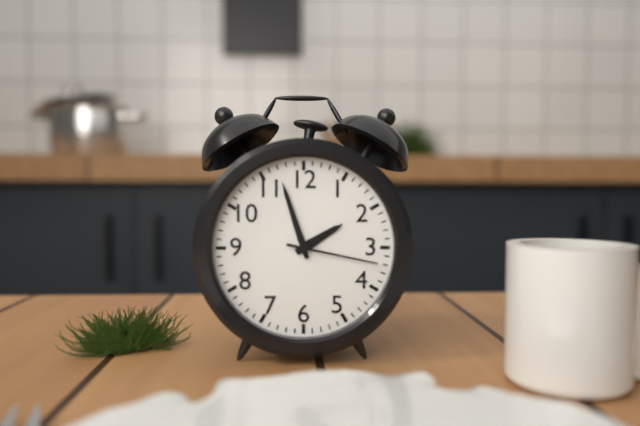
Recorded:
1.57.17
